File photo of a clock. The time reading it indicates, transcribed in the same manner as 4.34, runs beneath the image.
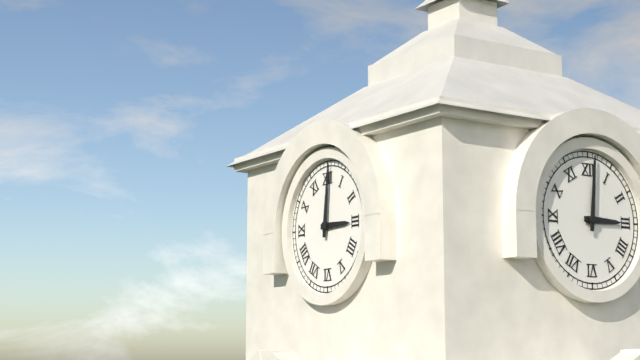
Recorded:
3.01
